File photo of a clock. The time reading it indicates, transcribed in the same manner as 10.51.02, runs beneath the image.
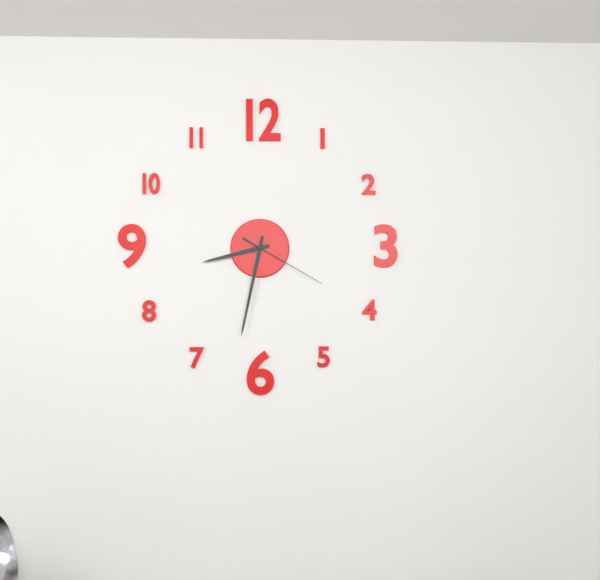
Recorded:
8.32.20
